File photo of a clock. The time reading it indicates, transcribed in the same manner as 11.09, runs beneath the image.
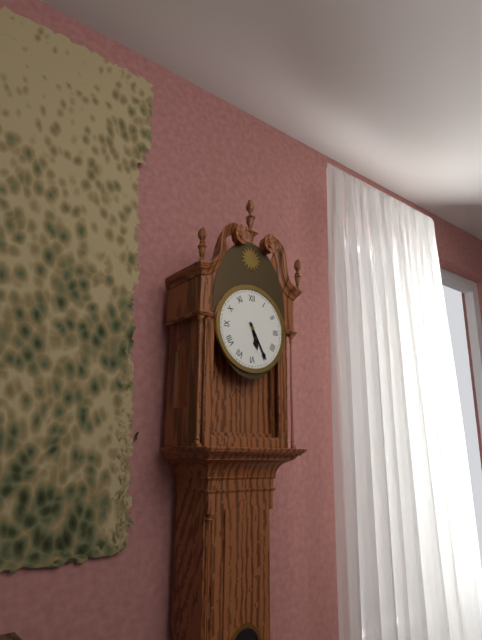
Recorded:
5.25
